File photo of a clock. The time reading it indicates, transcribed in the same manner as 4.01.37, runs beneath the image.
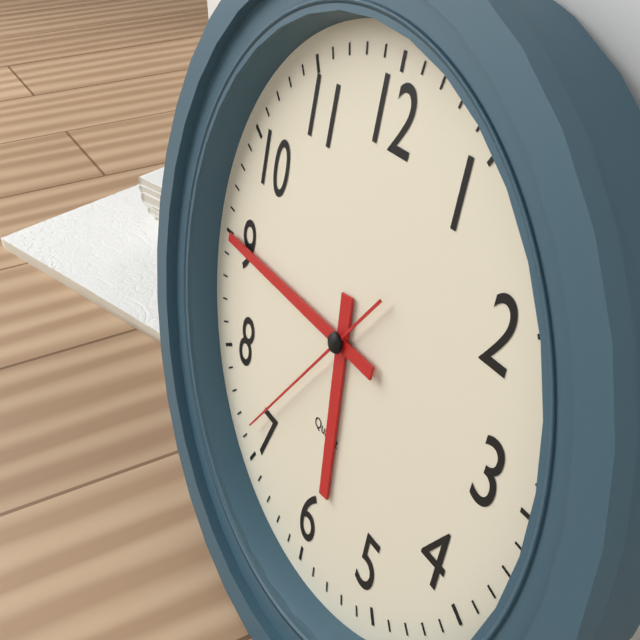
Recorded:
5.45.36
